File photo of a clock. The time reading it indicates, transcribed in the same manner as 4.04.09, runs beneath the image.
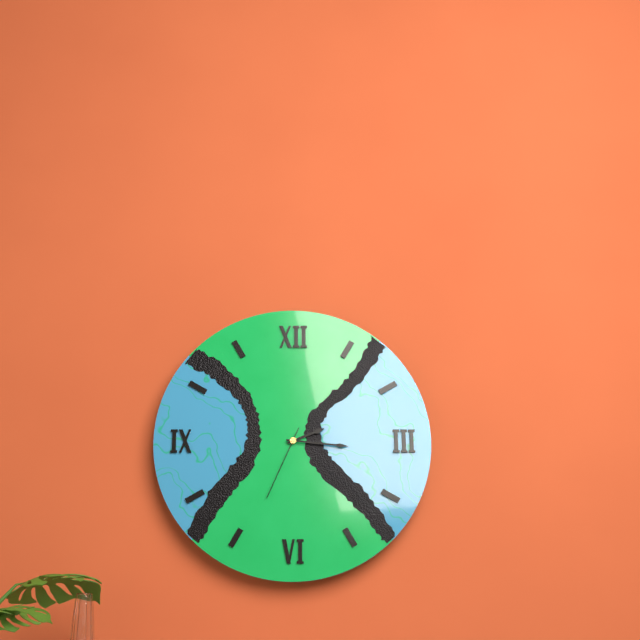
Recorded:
2.16.34
